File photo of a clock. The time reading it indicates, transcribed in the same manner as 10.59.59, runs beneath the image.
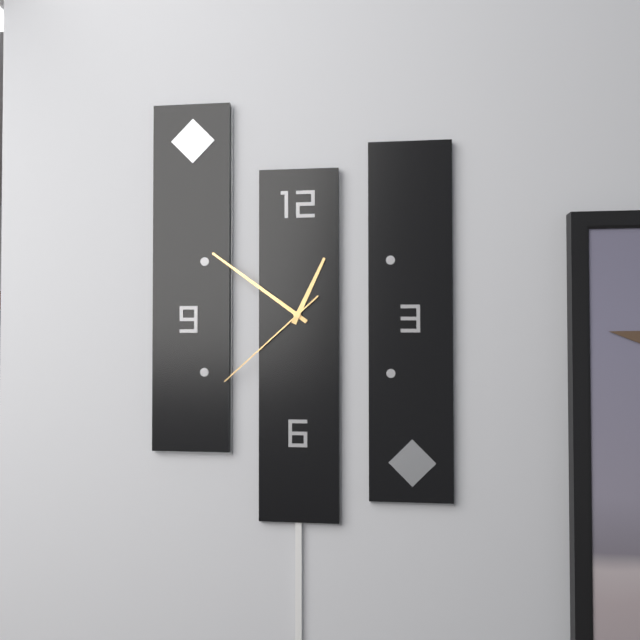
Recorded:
12.51.38
